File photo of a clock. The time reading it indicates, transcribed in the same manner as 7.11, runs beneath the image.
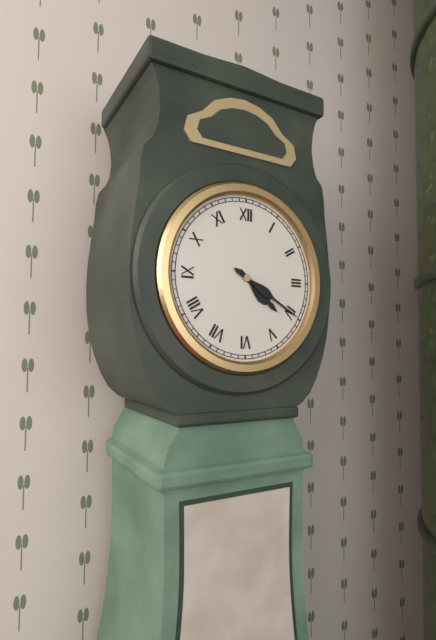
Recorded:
4.20
